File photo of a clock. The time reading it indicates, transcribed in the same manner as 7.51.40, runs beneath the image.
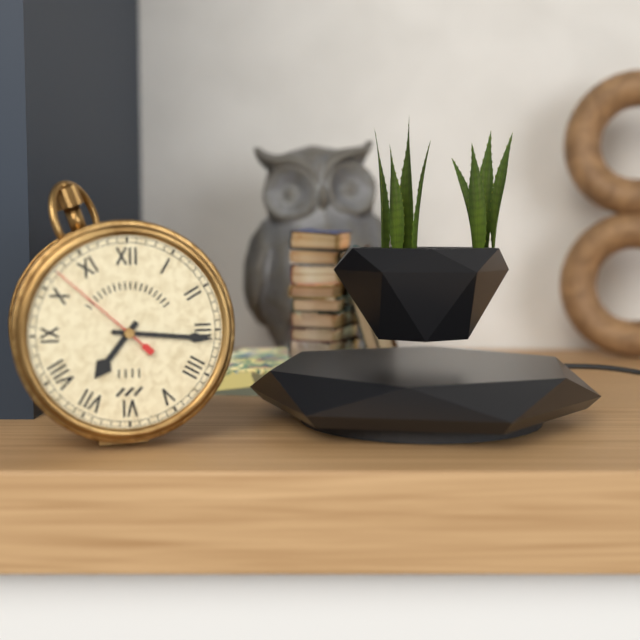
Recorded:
7.16.52
